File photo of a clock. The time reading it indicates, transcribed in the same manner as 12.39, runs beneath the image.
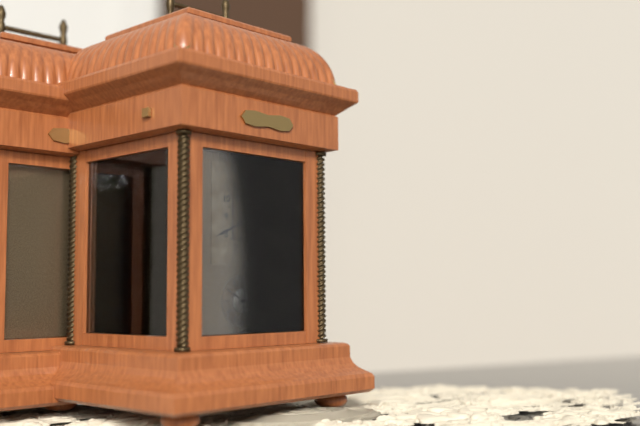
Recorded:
5.41
